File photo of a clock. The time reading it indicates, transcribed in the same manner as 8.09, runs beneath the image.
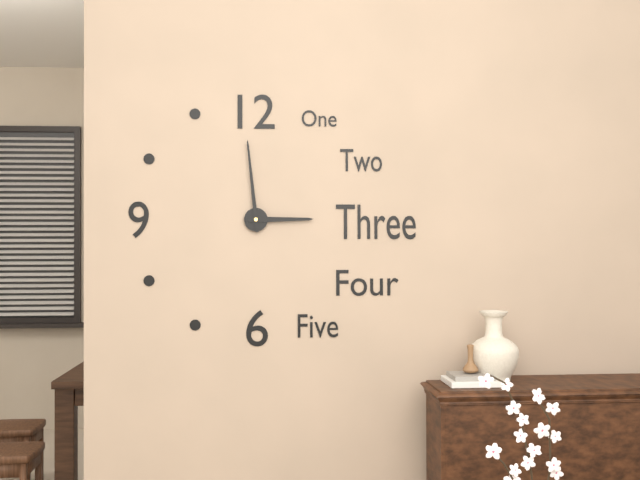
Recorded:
2.59
